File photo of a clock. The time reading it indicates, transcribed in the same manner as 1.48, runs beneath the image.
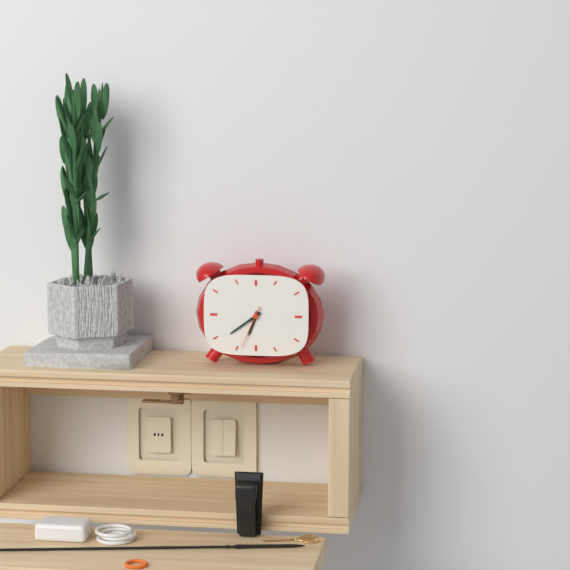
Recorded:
6.39
